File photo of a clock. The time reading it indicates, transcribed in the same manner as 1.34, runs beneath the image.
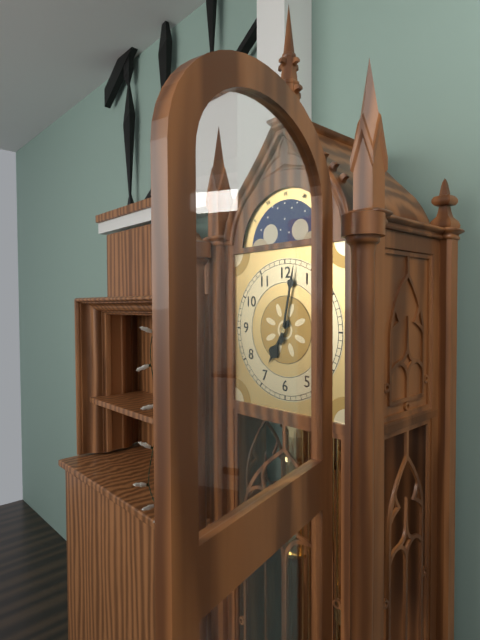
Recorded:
7.02
